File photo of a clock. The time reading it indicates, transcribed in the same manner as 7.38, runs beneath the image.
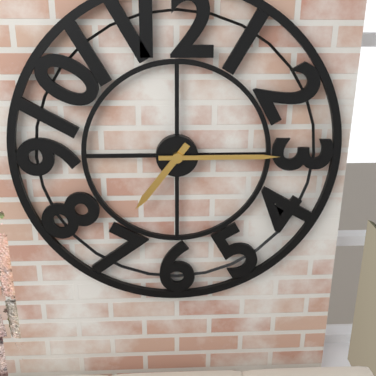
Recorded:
7.15
